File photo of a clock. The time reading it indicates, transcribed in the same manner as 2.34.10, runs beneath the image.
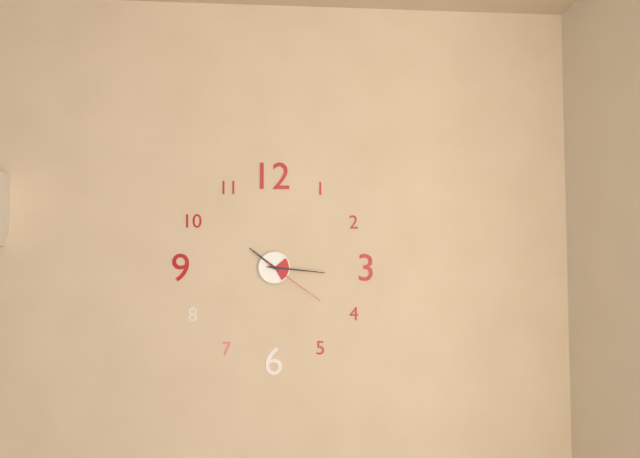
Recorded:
10.16.21
